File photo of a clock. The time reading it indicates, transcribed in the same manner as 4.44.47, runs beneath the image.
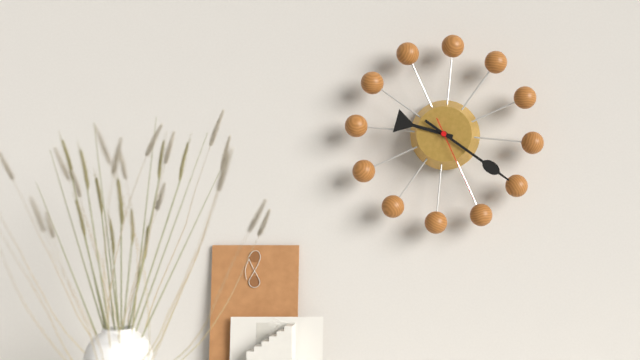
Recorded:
9.20.25
